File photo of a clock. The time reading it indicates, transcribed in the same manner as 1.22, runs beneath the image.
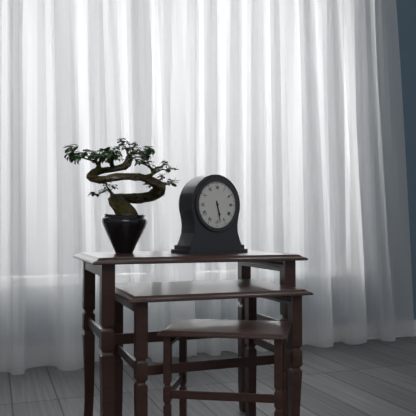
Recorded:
5.28
